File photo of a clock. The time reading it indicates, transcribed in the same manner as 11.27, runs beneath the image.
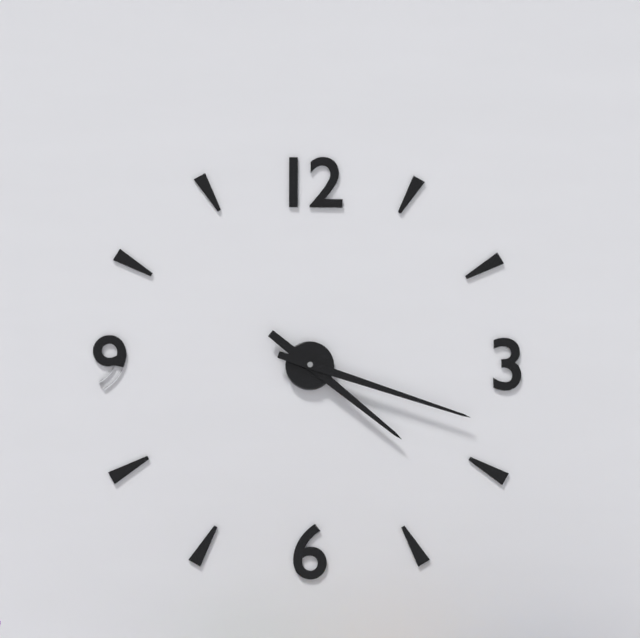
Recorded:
4.18
